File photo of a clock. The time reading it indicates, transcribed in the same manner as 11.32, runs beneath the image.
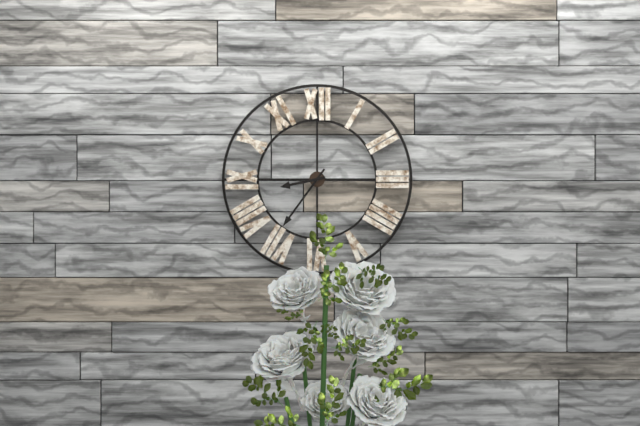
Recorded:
8.36
